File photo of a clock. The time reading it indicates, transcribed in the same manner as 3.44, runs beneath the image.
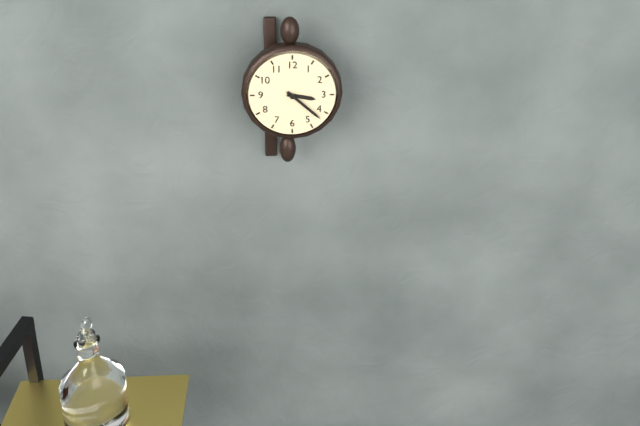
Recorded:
3.22
